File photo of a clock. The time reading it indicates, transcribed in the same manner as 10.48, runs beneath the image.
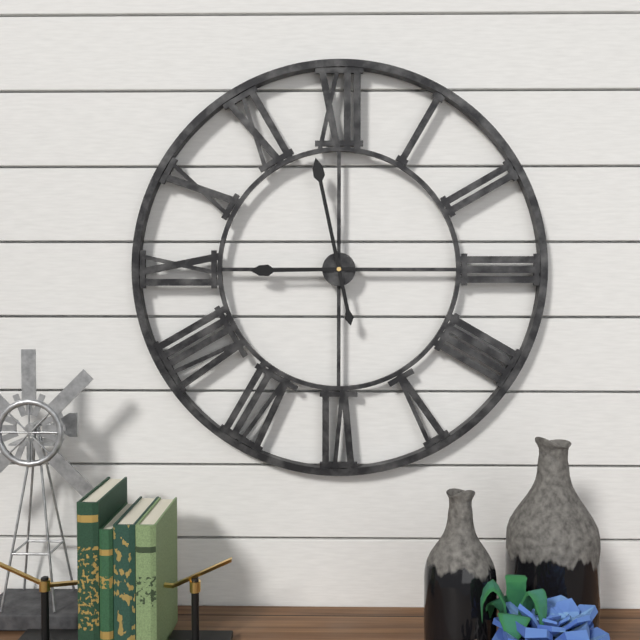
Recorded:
8.58
